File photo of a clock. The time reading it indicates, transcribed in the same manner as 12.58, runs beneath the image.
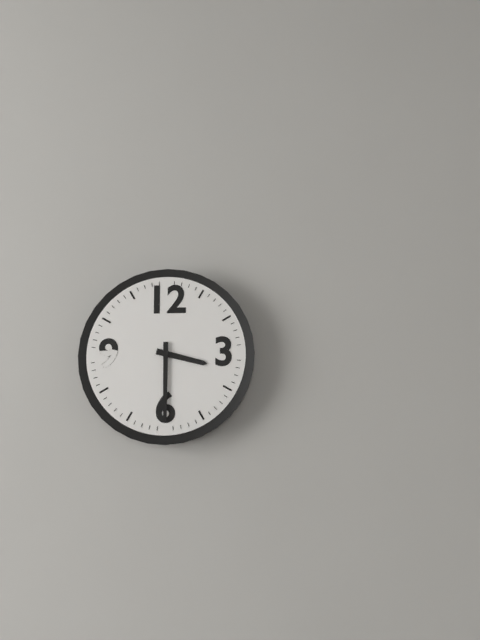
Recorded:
3.30
